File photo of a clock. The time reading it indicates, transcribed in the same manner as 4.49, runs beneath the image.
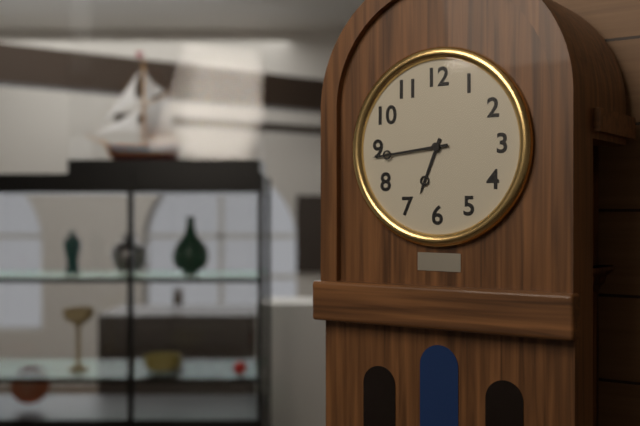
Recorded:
6.44
